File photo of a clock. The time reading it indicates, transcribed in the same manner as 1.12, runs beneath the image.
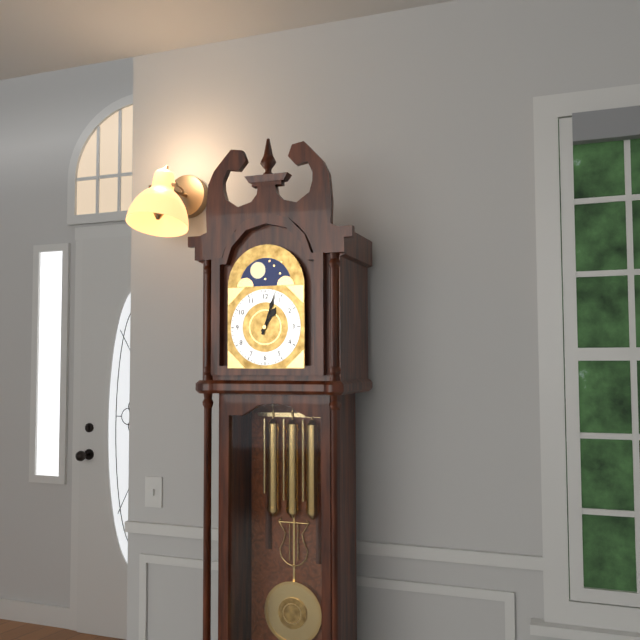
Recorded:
1.03
